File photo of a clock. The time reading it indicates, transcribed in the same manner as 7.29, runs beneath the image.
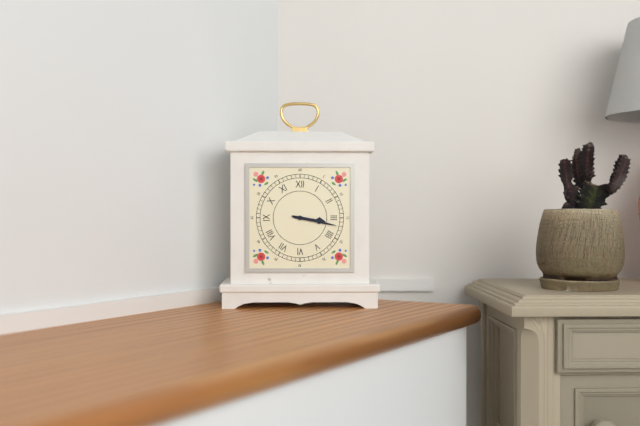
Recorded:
3.17
